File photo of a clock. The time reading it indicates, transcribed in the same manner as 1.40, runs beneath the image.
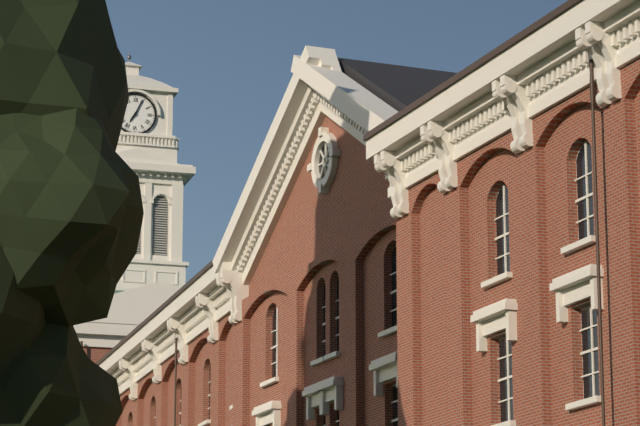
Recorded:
7.04
